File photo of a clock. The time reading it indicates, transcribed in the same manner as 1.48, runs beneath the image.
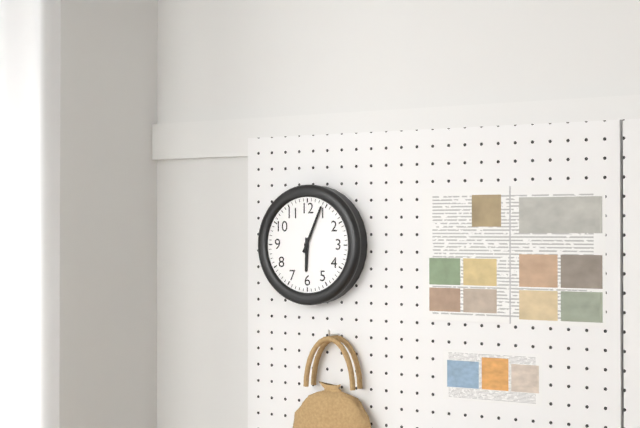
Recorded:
6.04
